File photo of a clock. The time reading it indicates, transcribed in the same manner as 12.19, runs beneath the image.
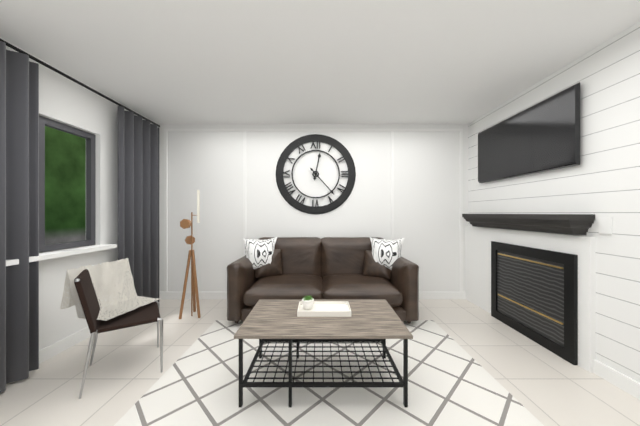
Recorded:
12.23
